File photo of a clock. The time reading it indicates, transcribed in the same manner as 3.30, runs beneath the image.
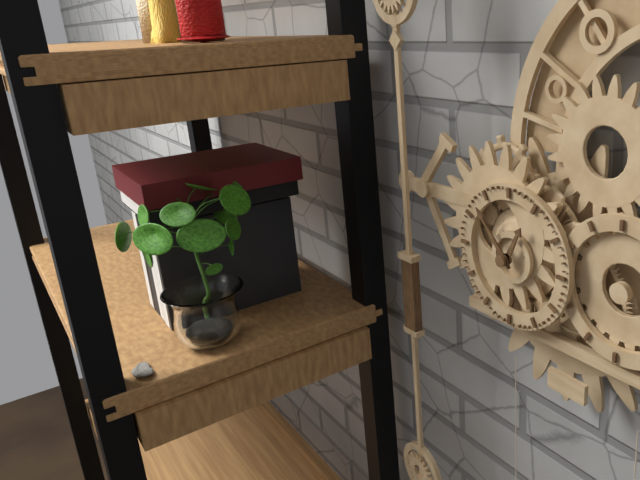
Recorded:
12.53
